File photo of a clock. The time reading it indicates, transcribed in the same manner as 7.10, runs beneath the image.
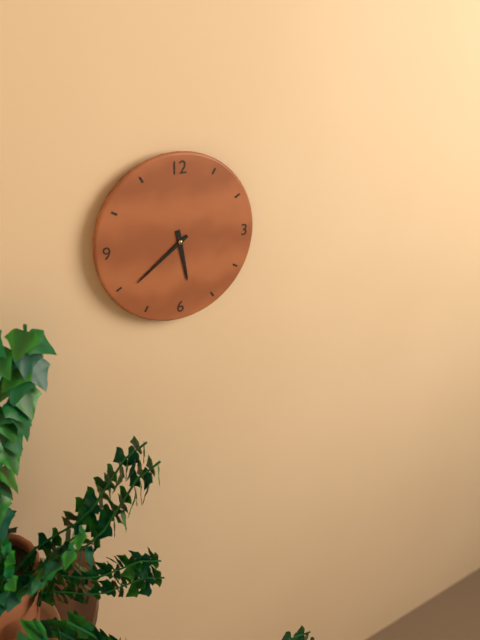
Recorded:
5.39
